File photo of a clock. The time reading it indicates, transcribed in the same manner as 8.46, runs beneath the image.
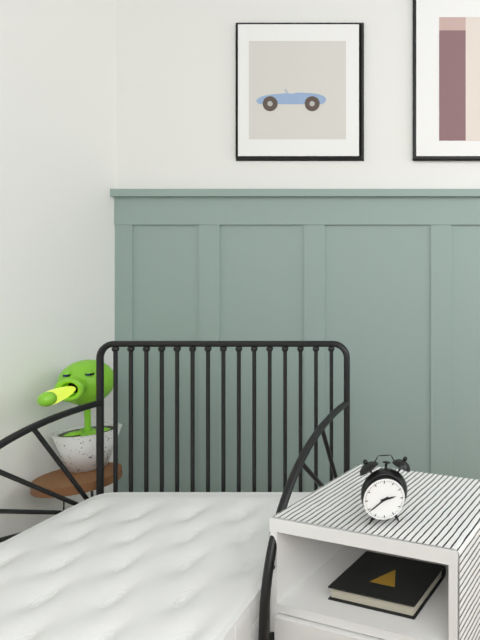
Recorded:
2.39
